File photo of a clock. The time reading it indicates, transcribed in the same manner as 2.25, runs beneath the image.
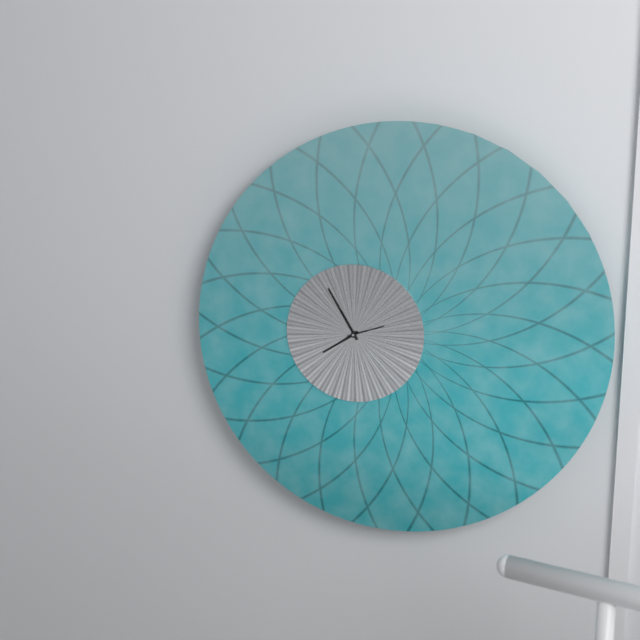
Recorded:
7.55
